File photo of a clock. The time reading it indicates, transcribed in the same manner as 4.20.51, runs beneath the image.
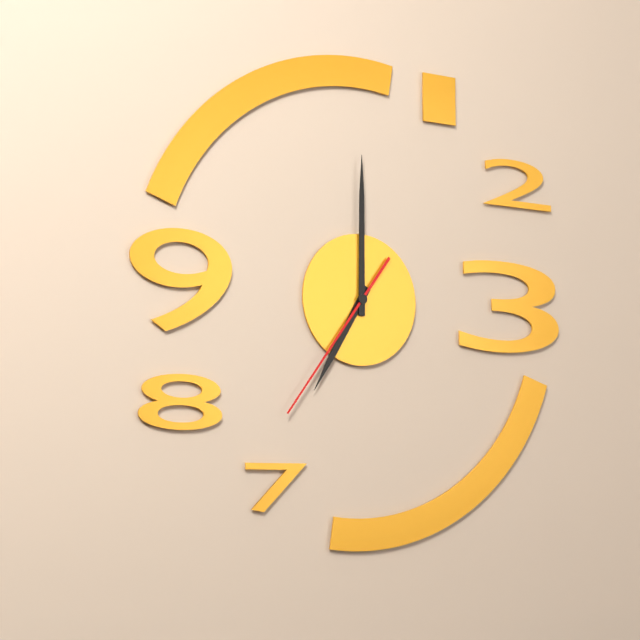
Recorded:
7.00.36
